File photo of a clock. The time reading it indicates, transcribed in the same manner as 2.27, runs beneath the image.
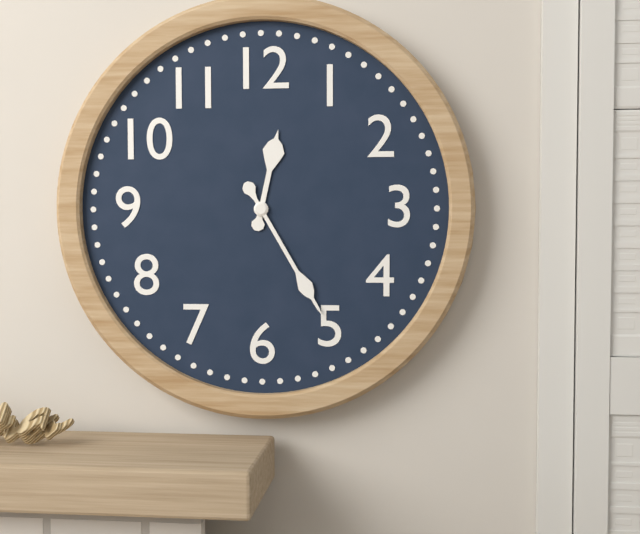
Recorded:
12.25
